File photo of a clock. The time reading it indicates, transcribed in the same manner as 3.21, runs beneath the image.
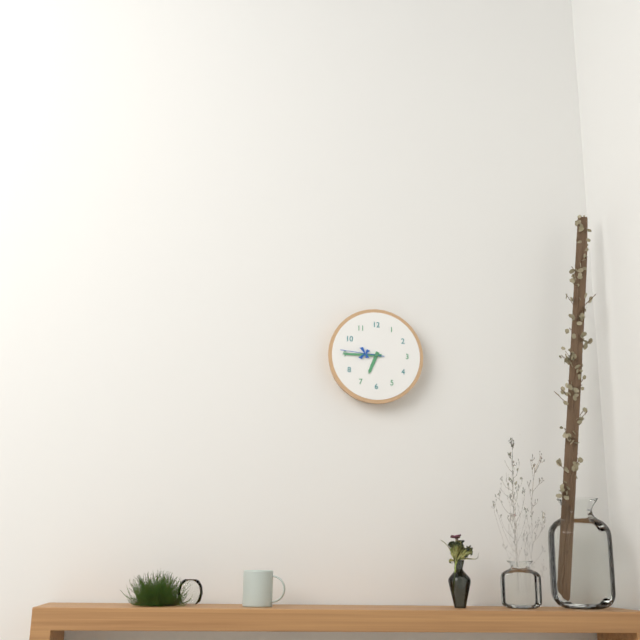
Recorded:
6.45
